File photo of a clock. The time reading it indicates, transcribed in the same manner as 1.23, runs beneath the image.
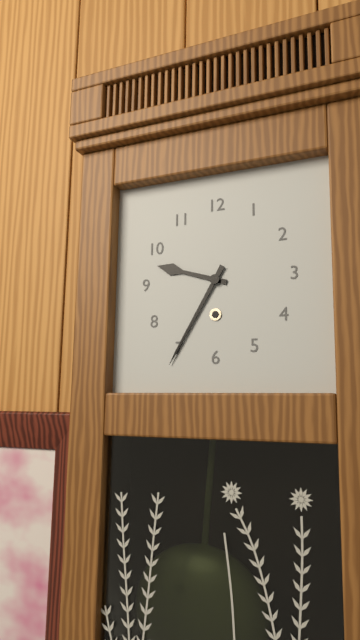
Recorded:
9.35
